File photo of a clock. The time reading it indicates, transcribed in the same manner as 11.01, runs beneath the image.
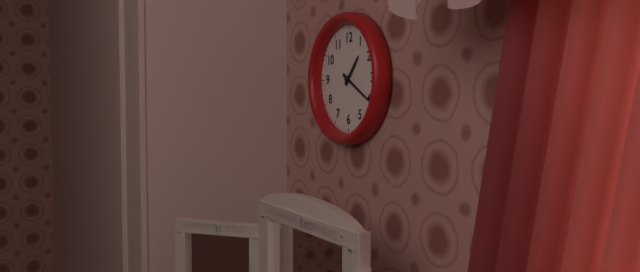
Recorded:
1.20
